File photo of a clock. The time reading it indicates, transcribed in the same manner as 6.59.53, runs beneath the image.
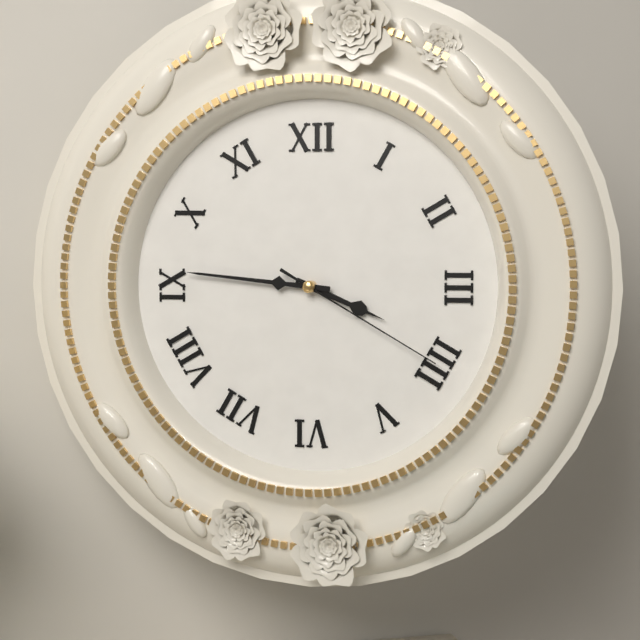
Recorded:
3.46.20
